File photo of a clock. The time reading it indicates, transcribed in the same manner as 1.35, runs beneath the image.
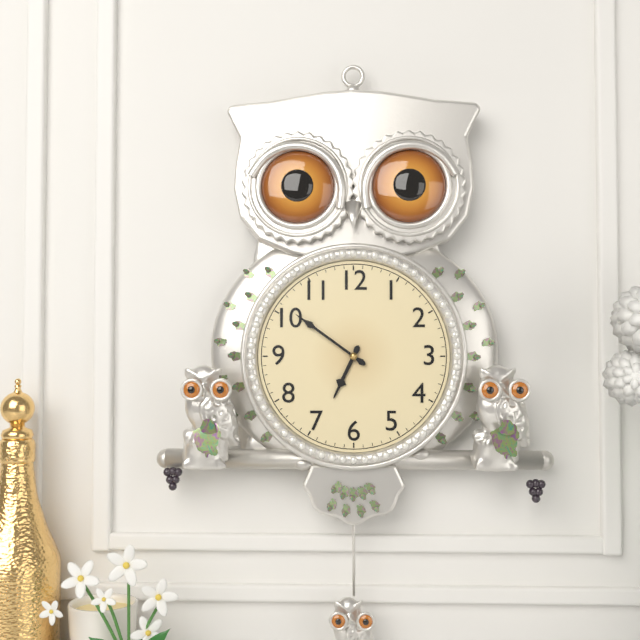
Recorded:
6.51
